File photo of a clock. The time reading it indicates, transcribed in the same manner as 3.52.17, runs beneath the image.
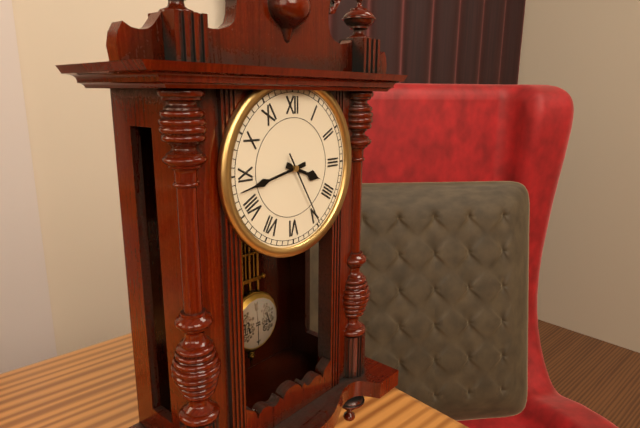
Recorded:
3.43.25
